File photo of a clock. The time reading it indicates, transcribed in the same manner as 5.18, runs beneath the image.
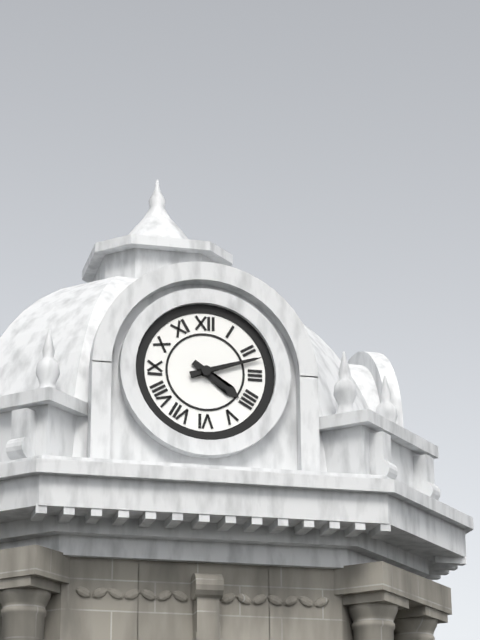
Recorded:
4.12
